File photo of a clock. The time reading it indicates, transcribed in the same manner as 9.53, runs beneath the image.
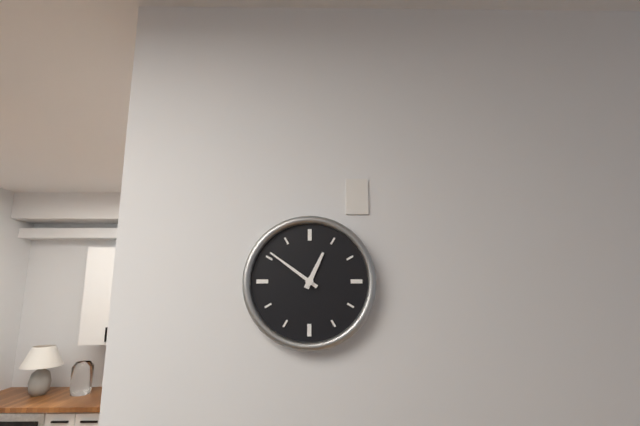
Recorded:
12.51
